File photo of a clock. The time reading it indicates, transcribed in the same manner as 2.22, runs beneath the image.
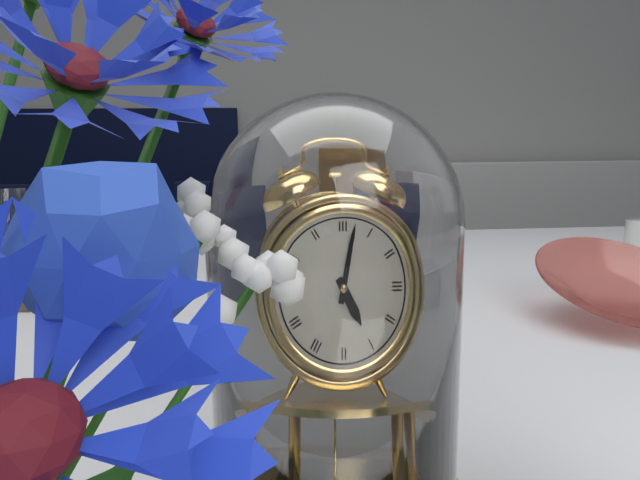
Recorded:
5.02
